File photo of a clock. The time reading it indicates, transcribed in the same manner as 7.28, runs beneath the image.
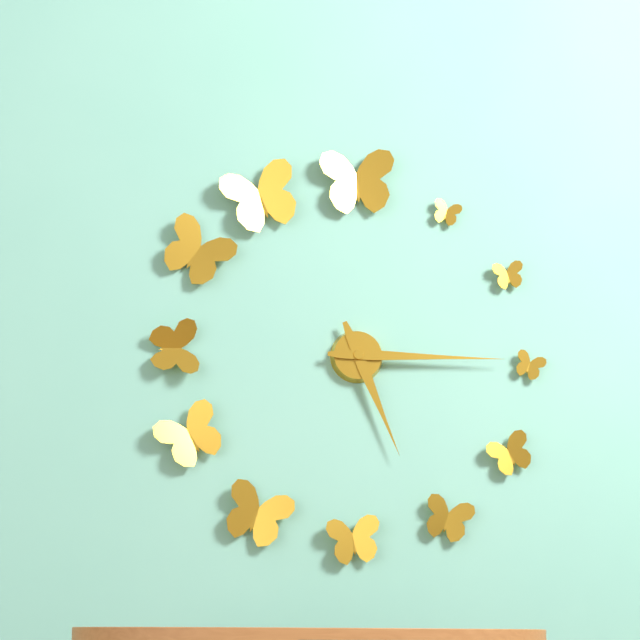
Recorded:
5.15
